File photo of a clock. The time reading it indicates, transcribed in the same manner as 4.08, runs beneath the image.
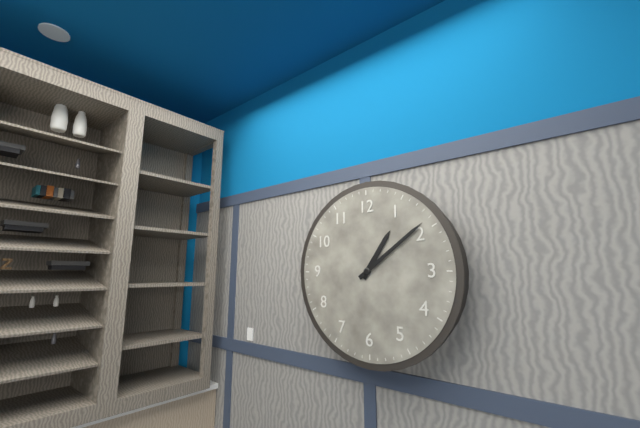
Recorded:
1.09
